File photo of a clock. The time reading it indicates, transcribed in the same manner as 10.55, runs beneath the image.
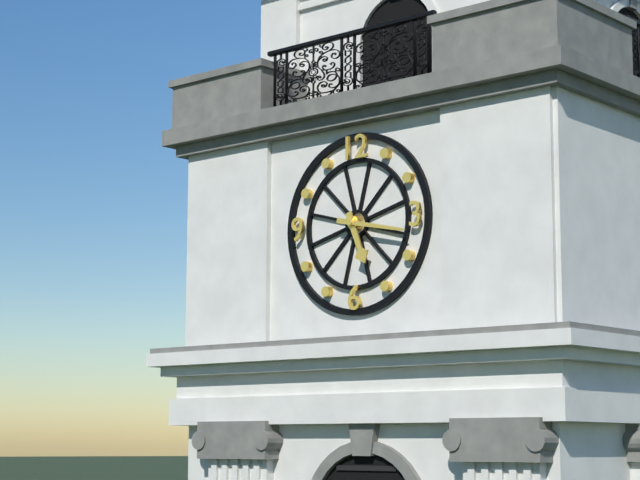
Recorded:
5.17
